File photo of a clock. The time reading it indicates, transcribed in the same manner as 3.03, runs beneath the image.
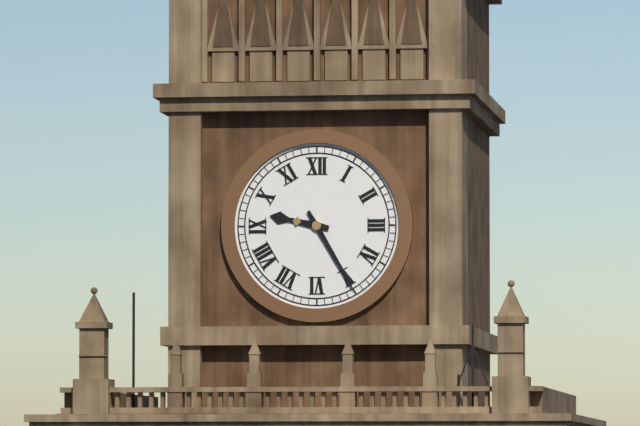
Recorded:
9.25
